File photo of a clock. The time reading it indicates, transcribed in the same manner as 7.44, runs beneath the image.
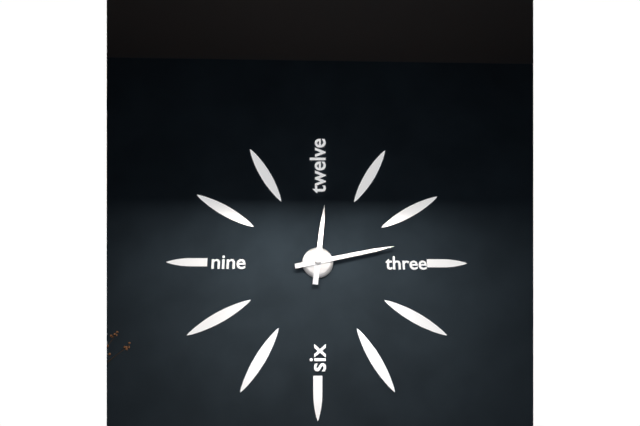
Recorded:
12.13
